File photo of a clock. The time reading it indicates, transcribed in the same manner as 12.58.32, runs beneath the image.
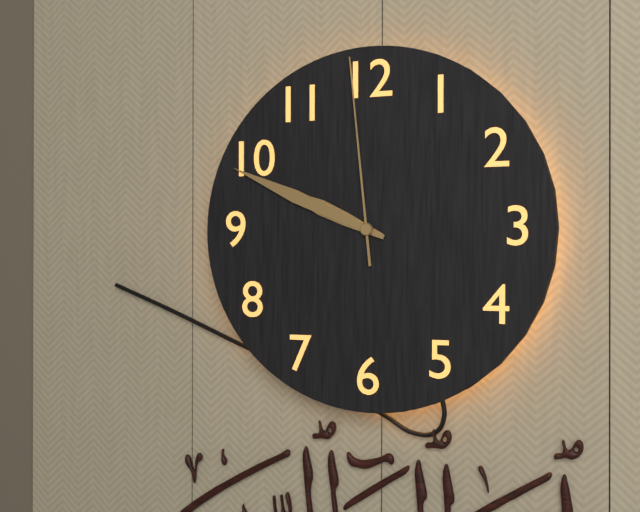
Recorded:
9.49.59
